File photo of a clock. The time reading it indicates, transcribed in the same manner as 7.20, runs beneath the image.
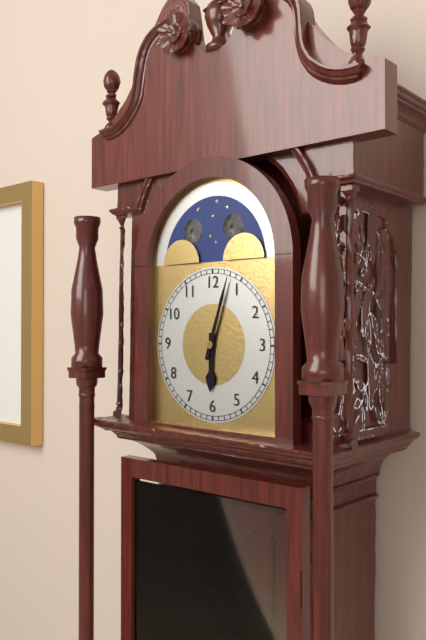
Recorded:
6.03
